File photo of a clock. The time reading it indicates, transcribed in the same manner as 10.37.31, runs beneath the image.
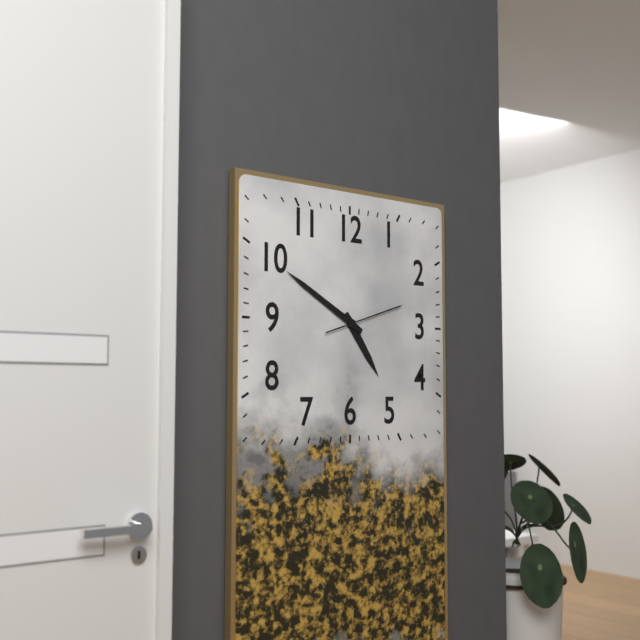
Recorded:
4.50.12
